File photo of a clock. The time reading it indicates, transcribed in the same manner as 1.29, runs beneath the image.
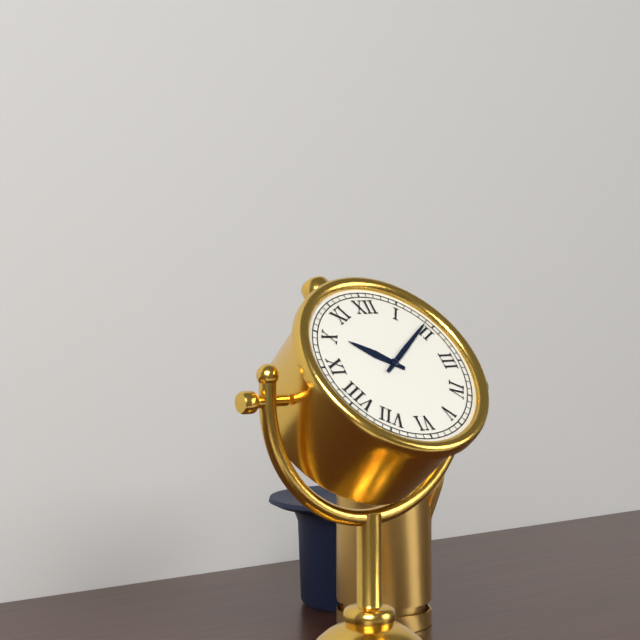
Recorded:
10.09
